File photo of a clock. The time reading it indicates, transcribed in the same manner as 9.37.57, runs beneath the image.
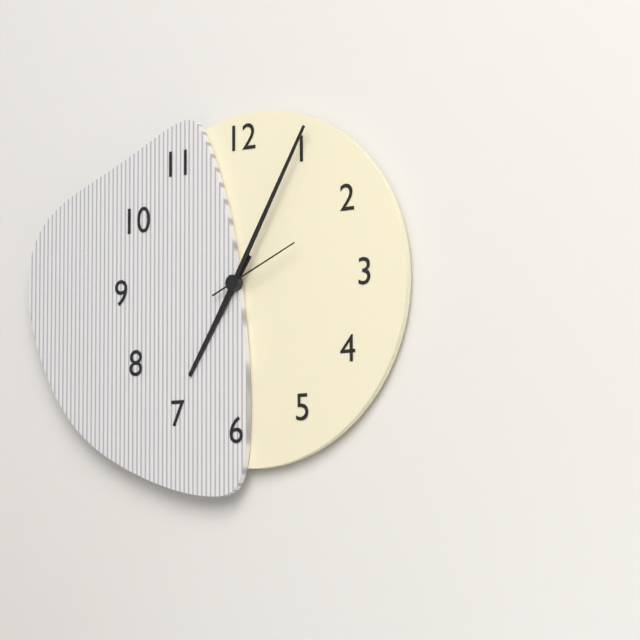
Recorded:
7.05.11
